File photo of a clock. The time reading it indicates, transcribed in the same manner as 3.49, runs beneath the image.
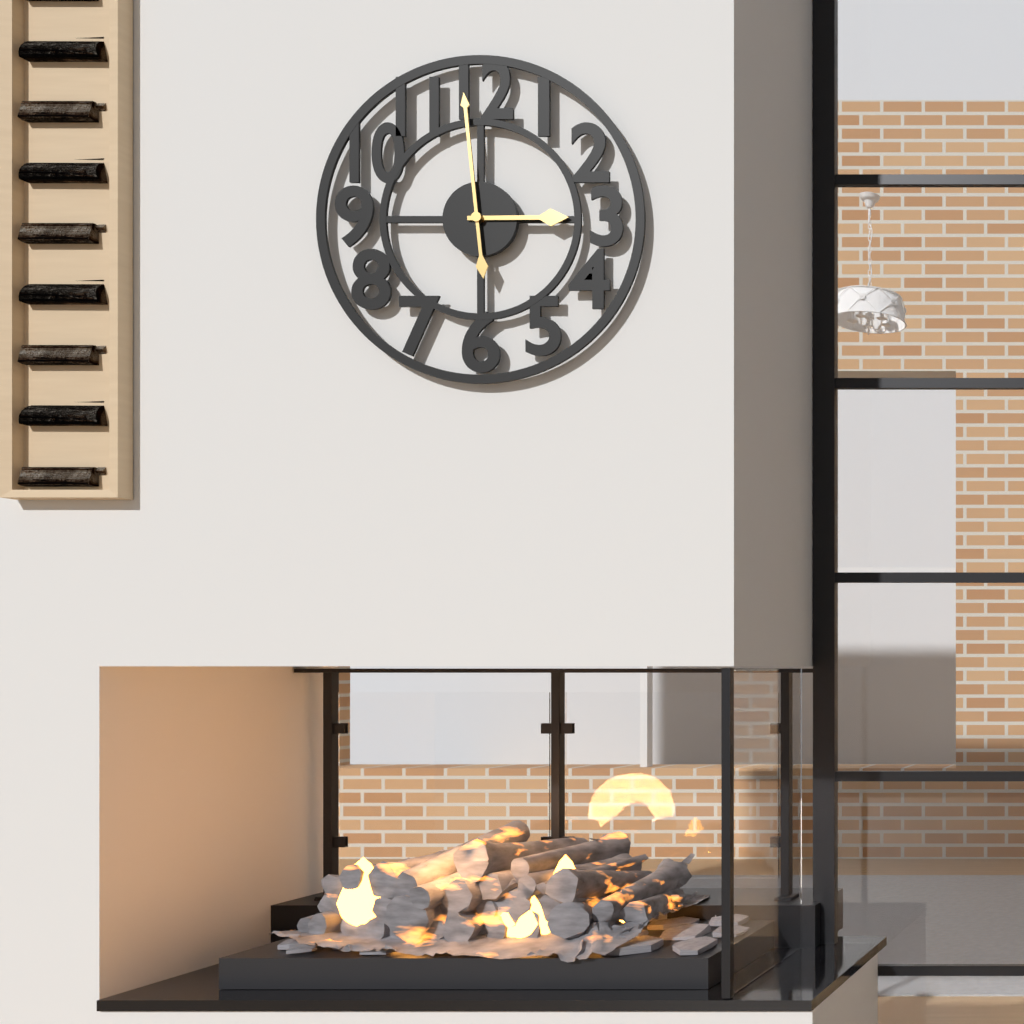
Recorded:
2.59
